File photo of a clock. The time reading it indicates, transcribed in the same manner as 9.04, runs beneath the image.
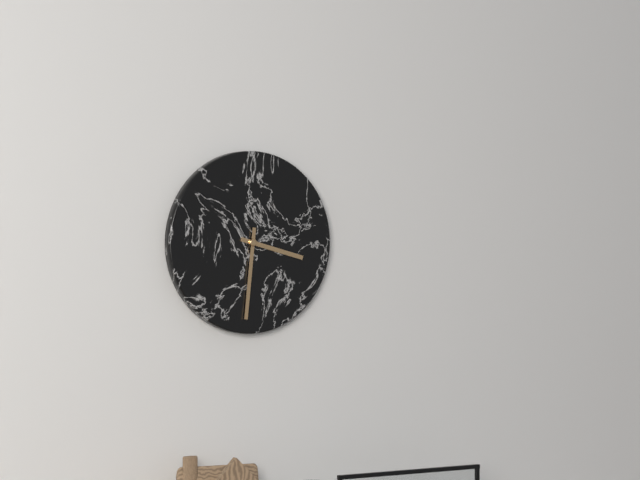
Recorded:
3.31
